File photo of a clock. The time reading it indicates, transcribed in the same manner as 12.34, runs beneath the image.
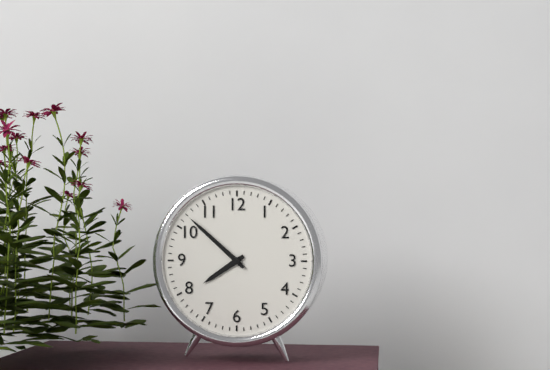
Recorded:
7.52
